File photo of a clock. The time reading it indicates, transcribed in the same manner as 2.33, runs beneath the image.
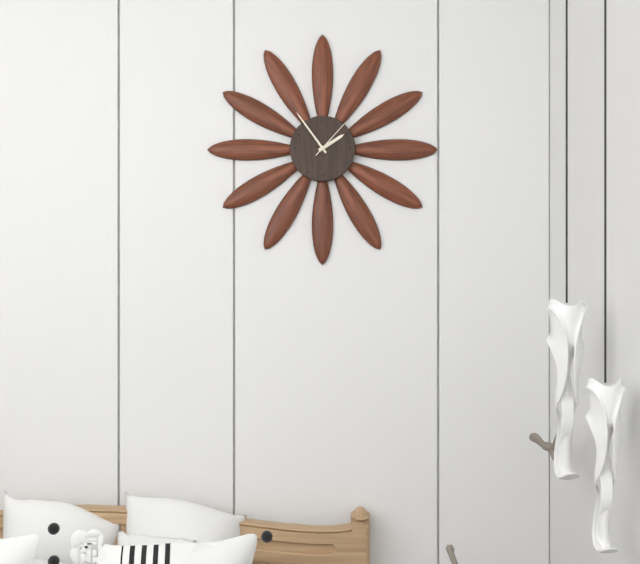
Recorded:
1.54
